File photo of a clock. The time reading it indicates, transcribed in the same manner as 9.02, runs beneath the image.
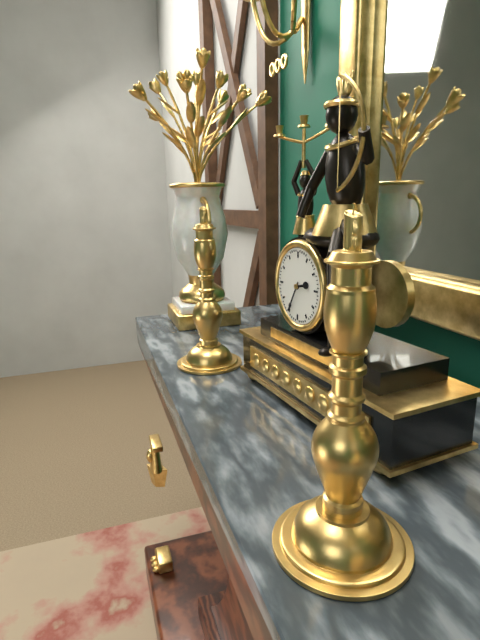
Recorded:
2.35
